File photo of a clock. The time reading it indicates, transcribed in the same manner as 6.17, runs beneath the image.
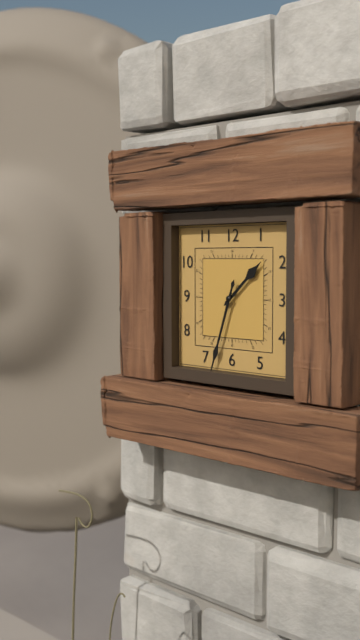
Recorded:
1.33
